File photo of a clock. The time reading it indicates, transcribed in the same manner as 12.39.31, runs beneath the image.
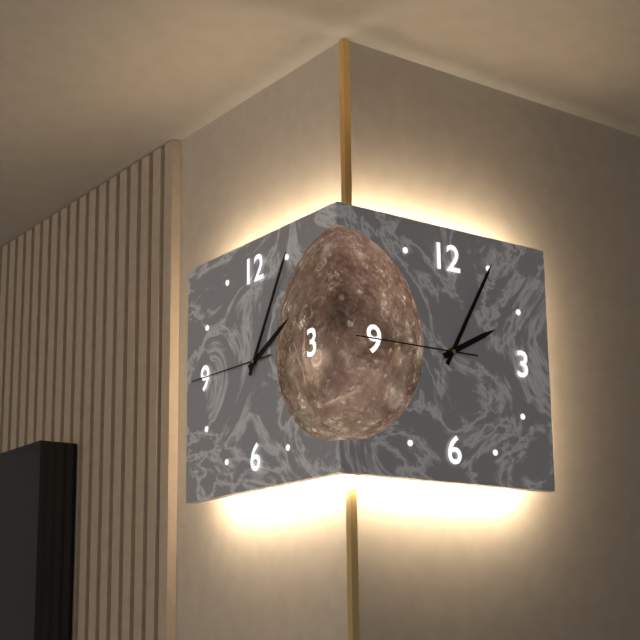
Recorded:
2.05.45
